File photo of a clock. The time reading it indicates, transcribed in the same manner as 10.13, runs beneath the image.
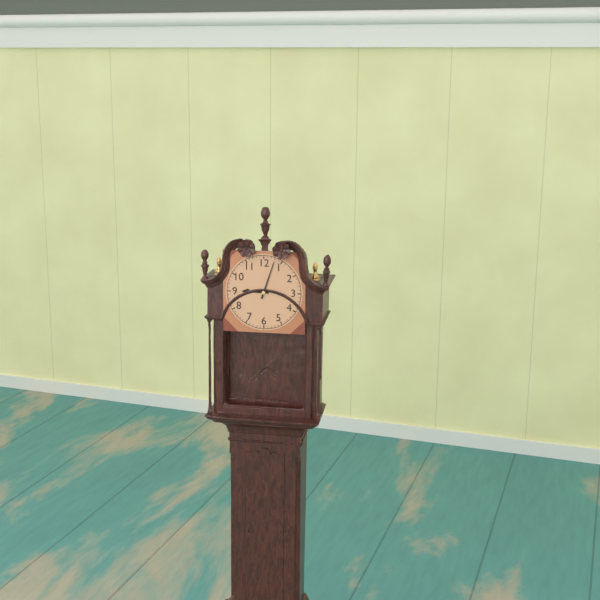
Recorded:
9.03
